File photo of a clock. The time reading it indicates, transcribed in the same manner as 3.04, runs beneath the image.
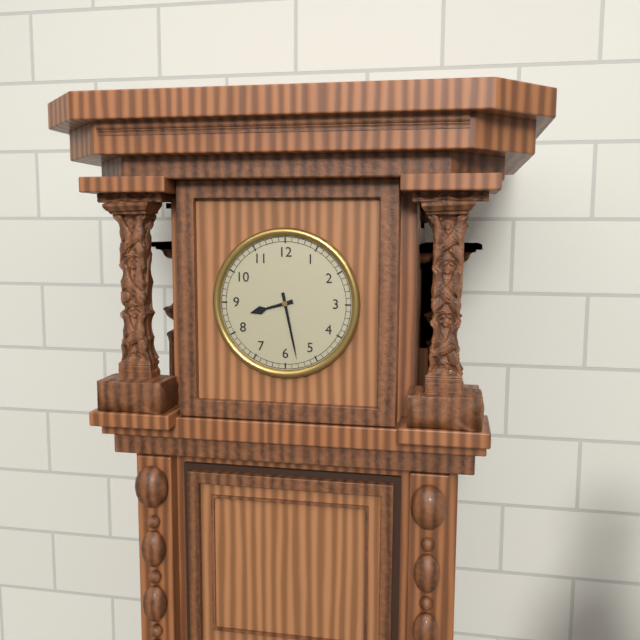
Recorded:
8.28
